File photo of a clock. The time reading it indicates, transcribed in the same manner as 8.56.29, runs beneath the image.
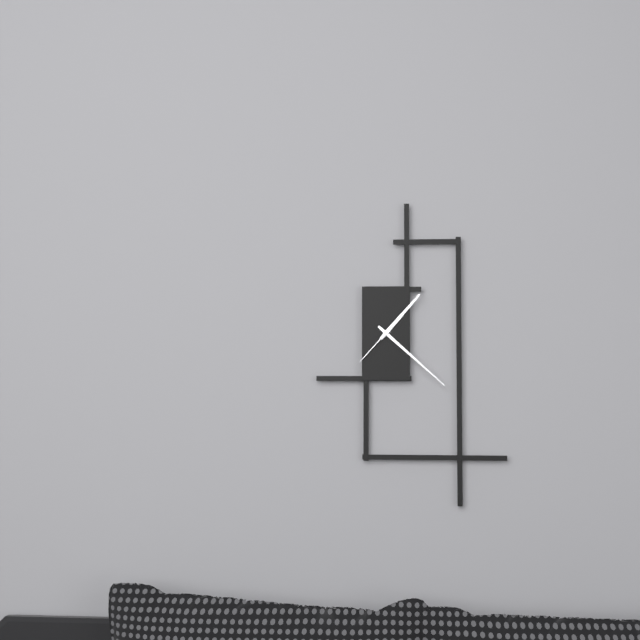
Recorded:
1.22.37
